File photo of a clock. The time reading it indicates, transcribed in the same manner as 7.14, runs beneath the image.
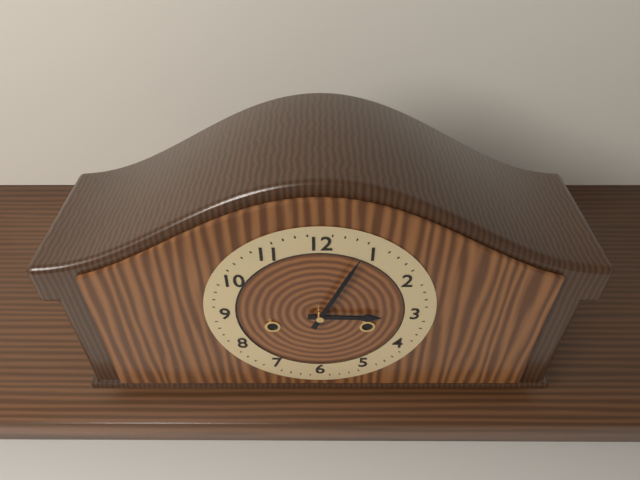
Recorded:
3.04
